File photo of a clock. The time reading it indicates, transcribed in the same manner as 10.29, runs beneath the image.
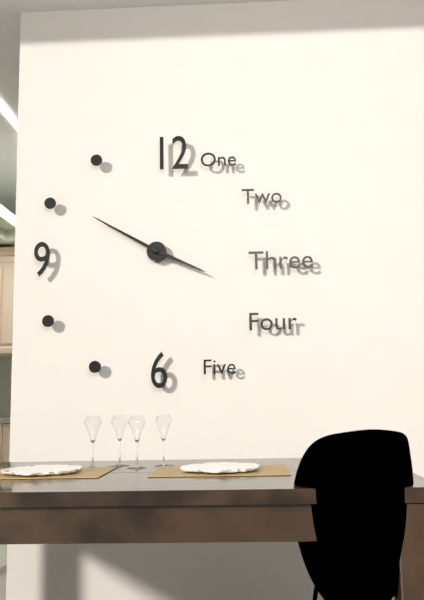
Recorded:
3.50
